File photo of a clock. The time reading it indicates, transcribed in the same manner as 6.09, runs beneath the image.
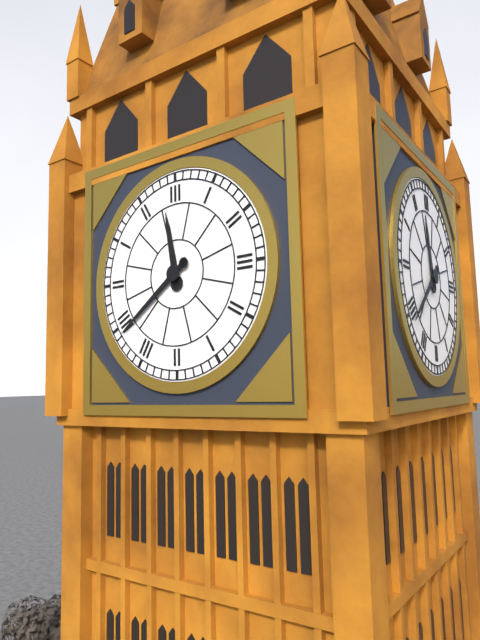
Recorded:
11.39
